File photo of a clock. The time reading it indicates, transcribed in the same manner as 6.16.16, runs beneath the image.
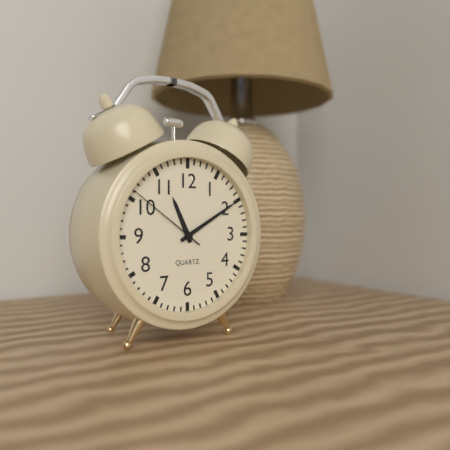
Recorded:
11.10.51
